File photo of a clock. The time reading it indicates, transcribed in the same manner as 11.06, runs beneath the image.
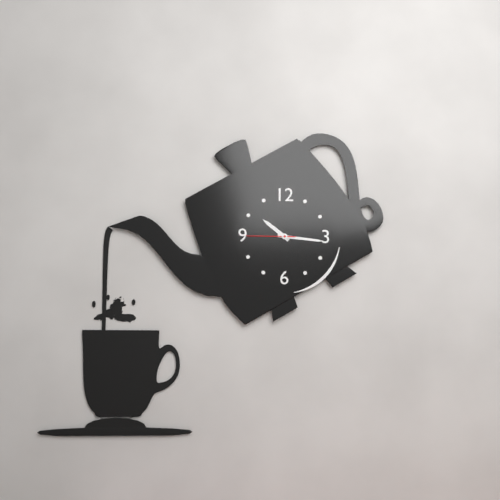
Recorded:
10.16
